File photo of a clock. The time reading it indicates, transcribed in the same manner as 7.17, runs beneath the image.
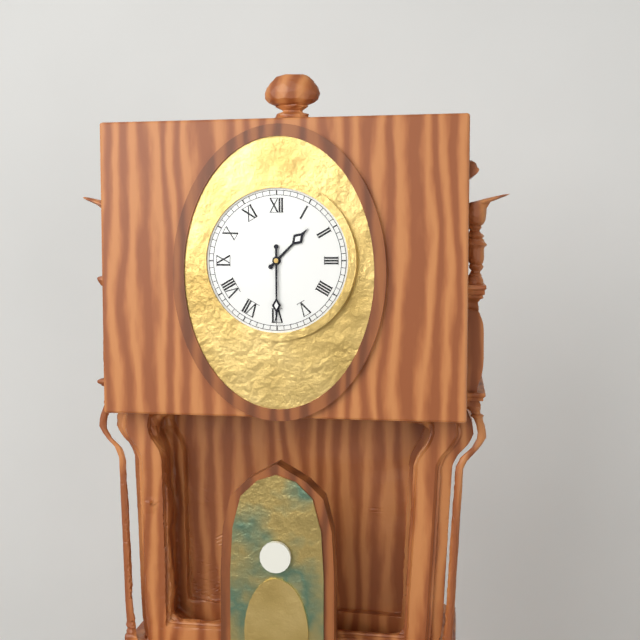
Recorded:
1.30
